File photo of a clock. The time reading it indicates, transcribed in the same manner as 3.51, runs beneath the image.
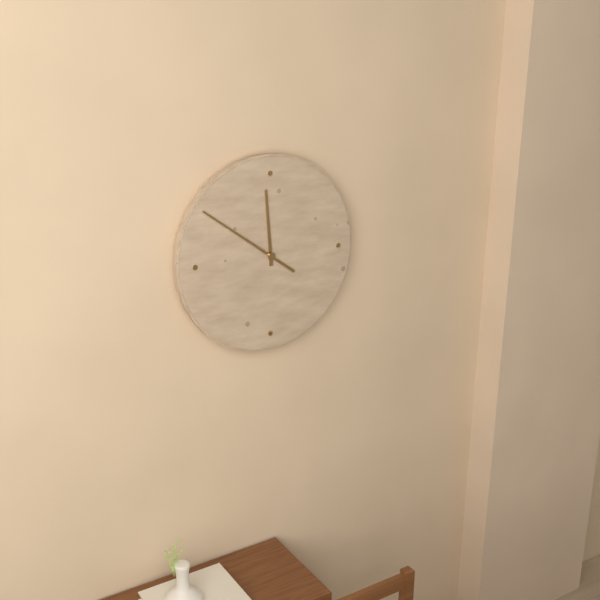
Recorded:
11.51
